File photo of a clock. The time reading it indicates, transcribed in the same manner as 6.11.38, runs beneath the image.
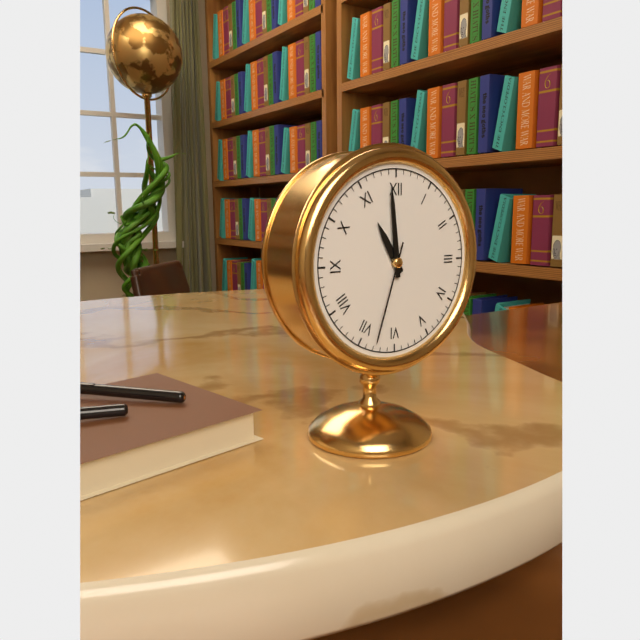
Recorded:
10.59.33
